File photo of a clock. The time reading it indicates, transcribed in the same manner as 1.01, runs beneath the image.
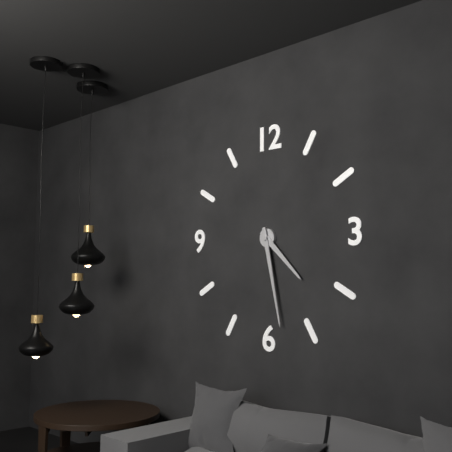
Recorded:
4.28
